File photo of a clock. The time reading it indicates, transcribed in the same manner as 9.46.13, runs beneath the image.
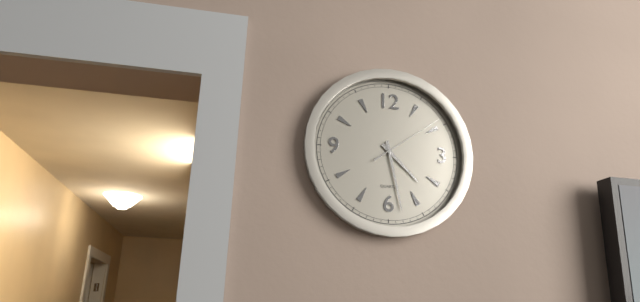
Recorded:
4.28.09
